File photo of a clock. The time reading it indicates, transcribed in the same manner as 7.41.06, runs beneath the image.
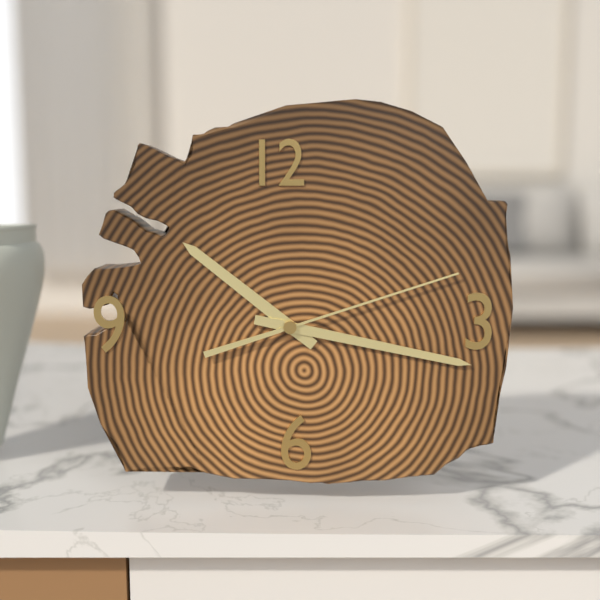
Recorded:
10.17.12
